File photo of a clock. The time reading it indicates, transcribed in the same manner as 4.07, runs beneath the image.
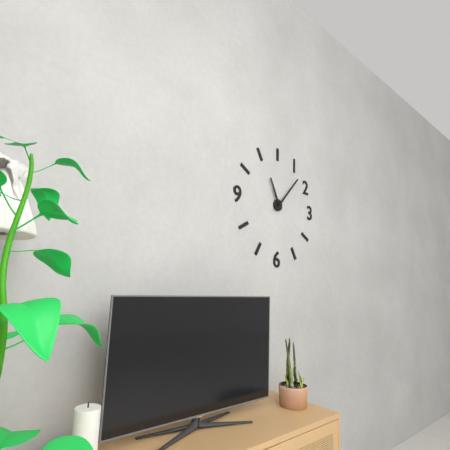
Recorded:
11.07
